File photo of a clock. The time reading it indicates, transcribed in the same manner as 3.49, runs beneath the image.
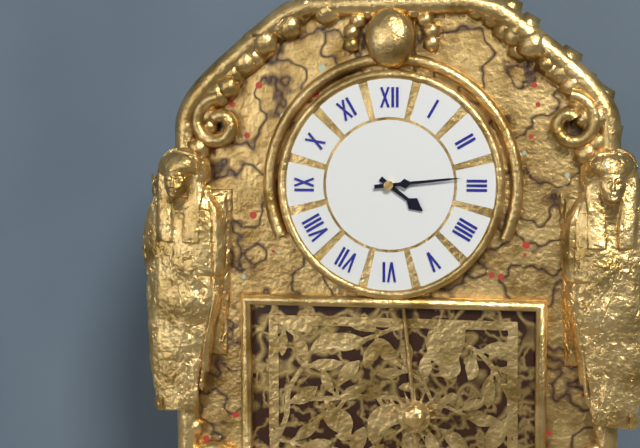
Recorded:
4.14
